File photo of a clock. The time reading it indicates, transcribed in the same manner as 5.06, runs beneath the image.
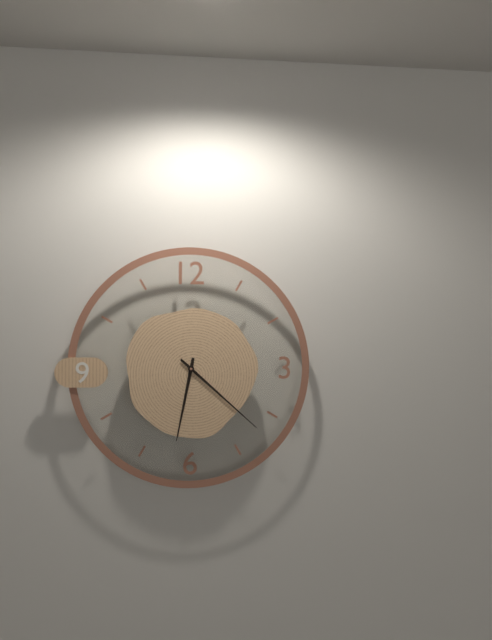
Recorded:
6.22
